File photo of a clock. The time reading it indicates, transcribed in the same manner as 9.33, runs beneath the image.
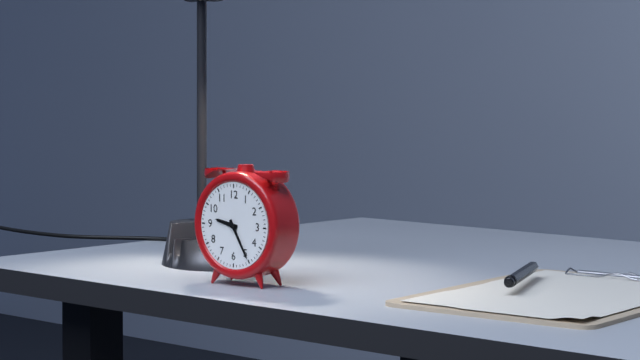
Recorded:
9.25
